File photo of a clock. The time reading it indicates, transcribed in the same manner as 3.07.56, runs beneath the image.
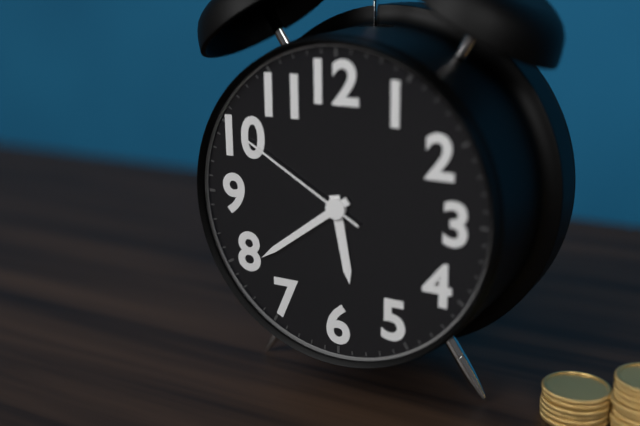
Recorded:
5.39.50
